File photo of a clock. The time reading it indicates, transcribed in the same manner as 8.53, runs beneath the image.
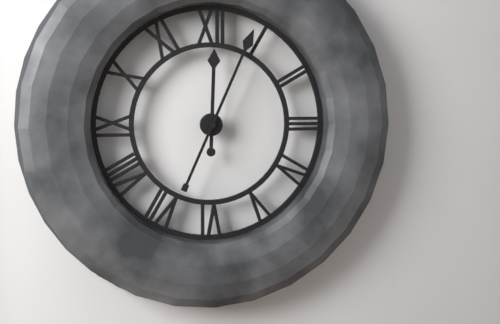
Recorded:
12.04
